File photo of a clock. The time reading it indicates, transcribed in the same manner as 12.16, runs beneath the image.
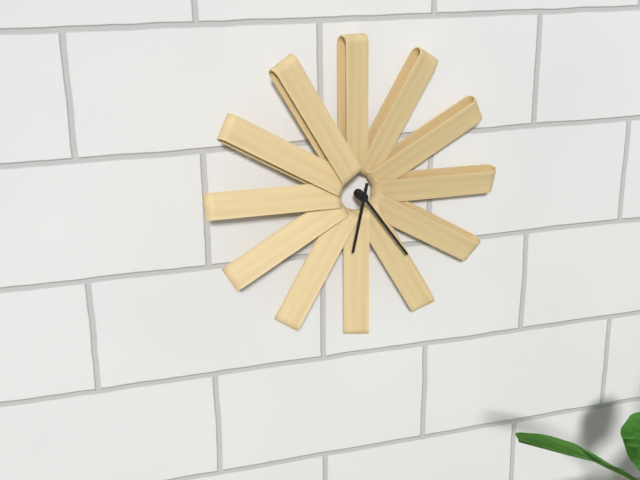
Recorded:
6.24
